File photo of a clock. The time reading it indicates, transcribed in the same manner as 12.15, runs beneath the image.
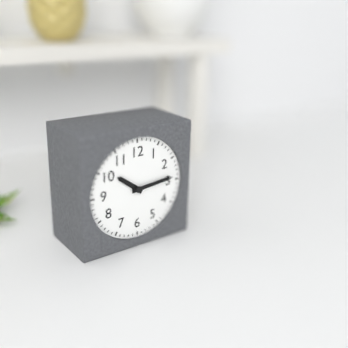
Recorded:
10.14
